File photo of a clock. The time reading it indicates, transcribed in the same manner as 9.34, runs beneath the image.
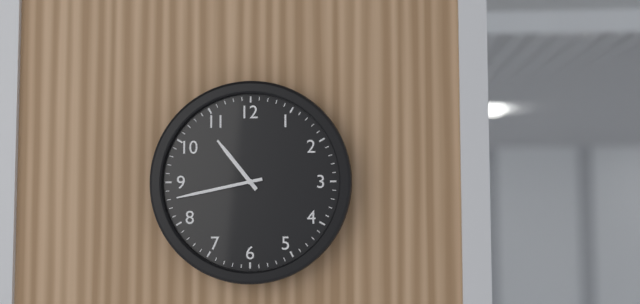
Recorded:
10.43
